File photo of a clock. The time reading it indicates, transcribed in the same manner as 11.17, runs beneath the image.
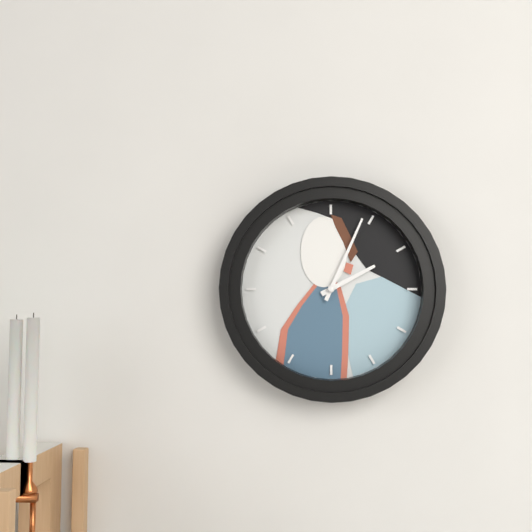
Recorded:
2.04
